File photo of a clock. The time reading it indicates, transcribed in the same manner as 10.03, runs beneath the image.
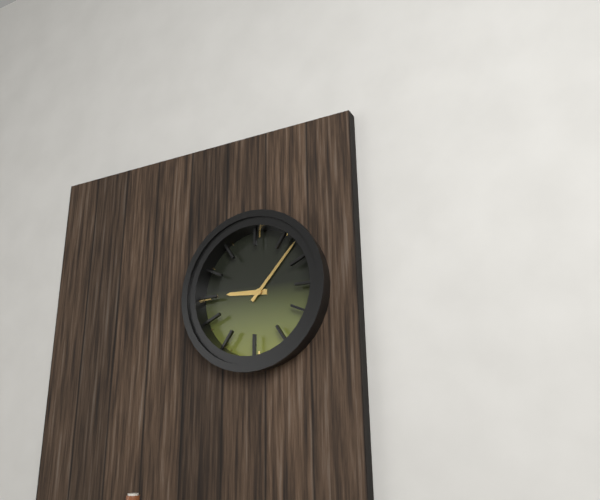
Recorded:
9.07
